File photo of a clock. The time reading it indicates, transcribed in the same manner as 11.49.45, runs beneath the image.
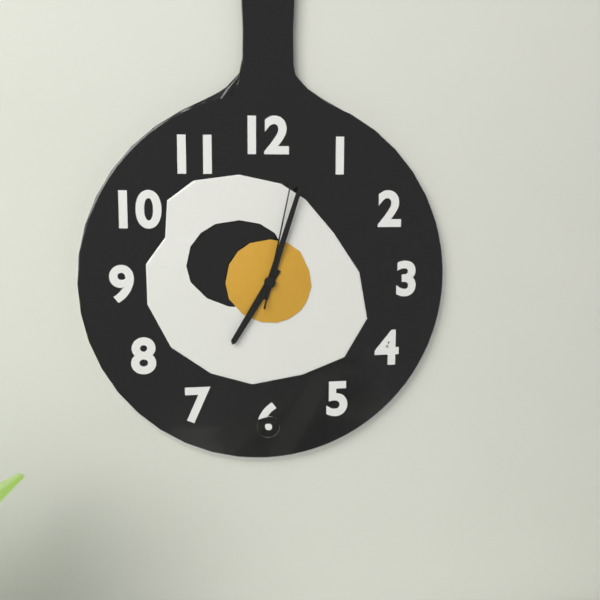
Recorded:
7.03.02
